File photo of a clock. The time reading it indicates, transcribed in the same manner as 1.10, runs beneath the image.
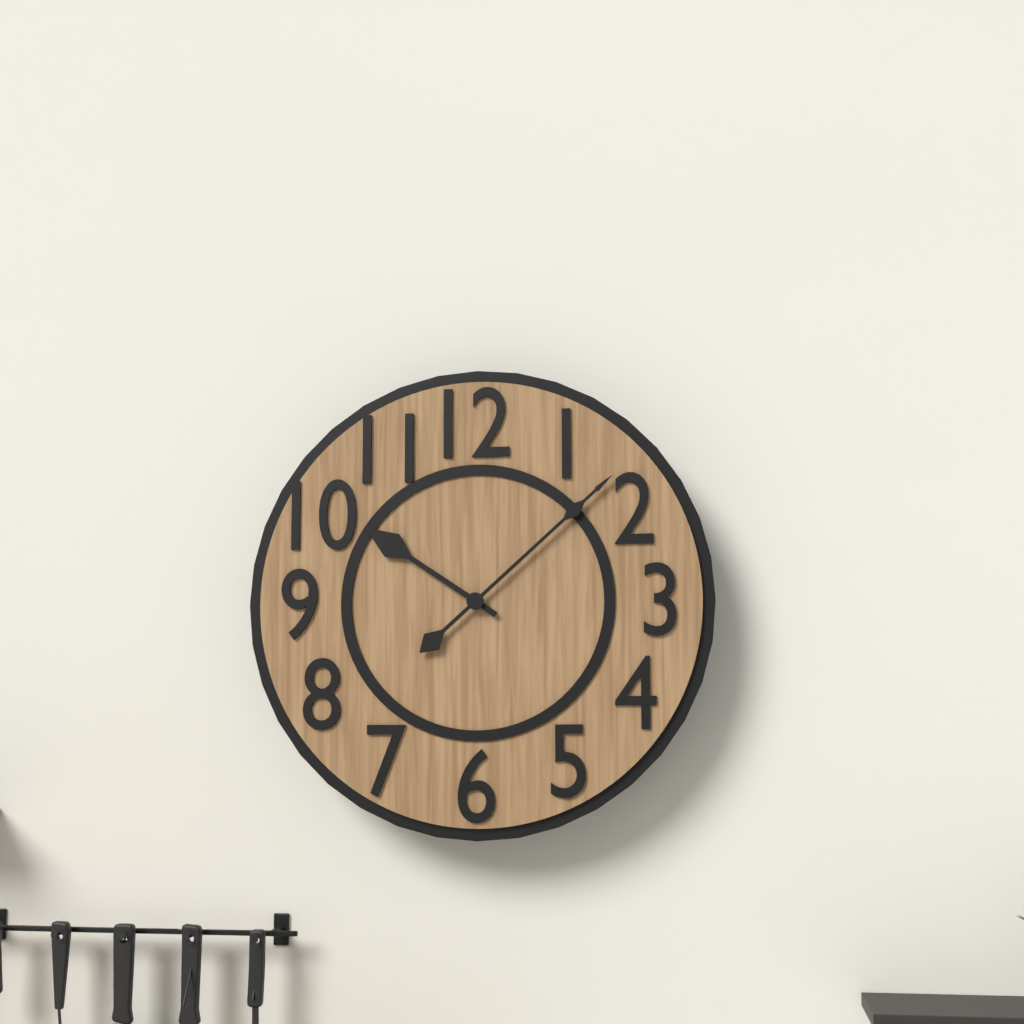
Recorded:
10.08
